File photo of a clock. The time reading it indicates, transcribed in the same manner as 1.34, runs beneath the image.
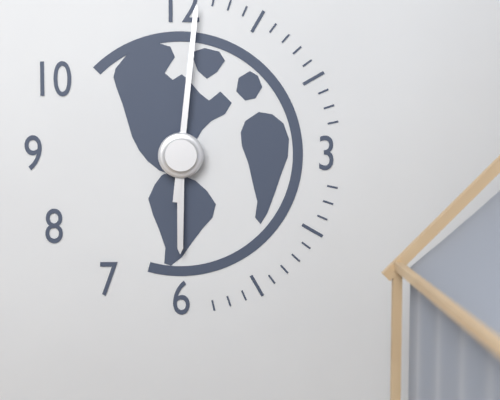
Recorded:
6.01
